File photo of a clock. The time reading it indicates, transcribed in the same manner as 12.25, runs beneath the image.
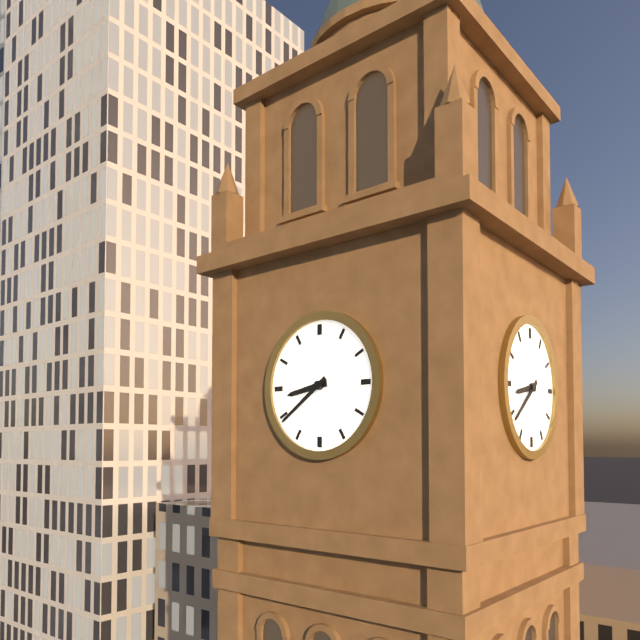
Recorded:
8.39
